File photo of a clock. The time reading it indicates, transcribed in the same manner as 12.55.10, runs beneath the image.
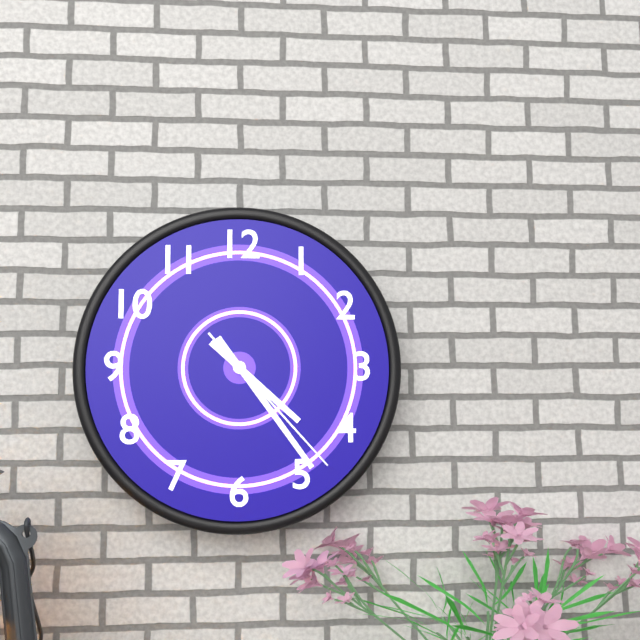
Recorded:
4.24.23
